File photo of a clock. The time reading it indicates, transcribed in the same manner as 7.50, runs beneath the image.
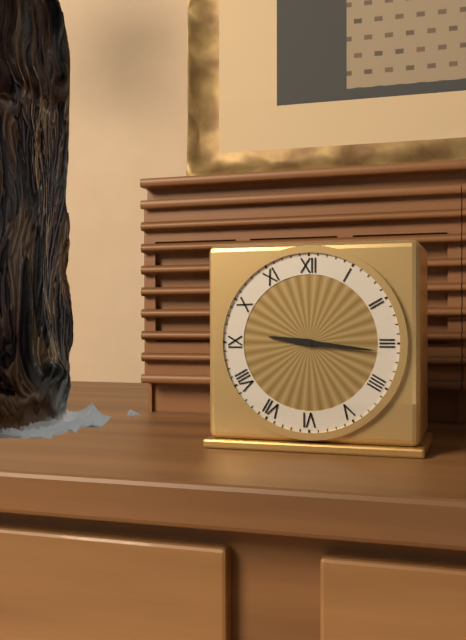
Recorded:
9.16
